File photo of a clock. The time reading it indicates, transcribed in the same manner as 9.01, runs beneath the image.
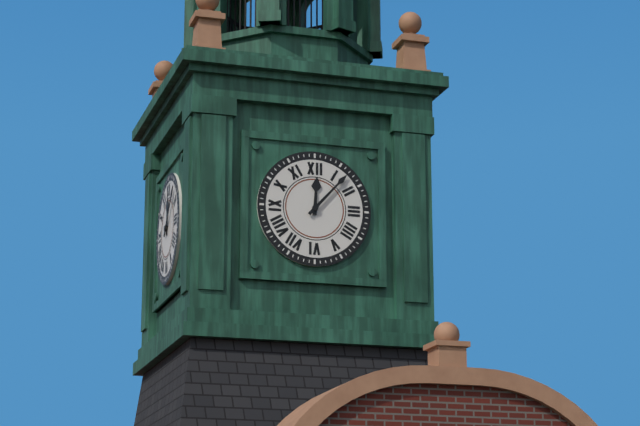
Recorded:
12.07
